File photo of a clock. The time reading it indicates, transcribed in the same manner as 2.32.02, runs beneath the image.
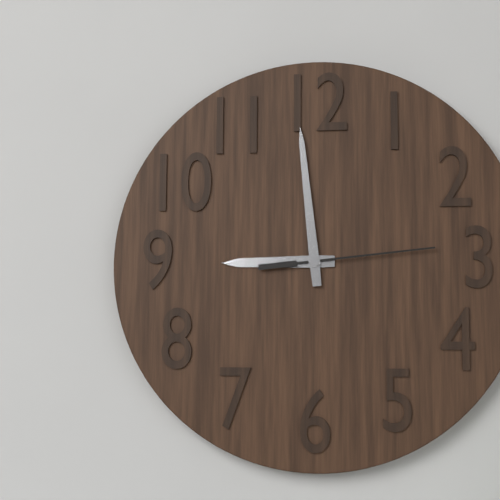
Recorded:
8.59.14
